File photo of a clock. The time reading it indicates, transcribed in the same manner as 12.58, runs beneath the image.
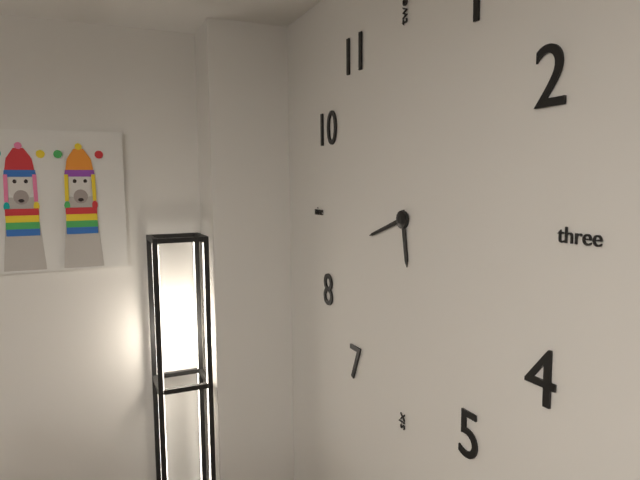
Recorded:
5.42
